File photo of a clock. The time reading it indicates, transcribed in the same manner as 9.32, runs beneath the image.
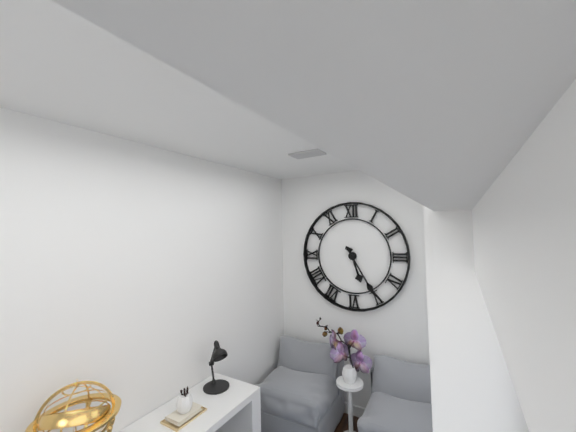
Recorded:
5.25
